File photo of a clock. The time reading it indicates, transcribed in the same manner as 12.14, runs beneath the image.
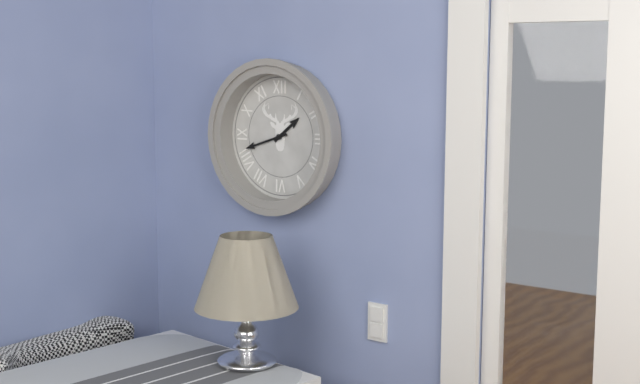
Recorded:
1.42
